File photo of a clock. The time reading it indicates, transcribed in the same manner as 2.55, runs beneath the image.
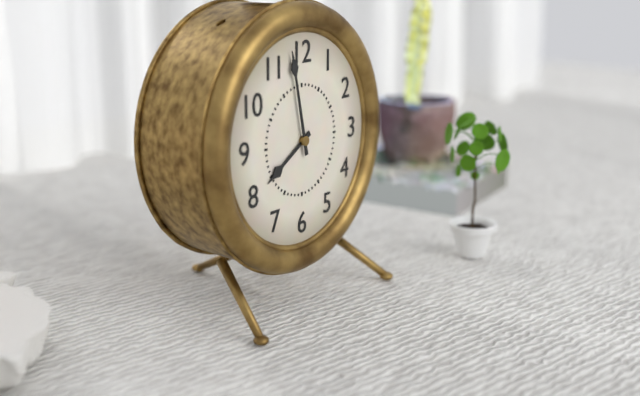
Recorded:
7.58
